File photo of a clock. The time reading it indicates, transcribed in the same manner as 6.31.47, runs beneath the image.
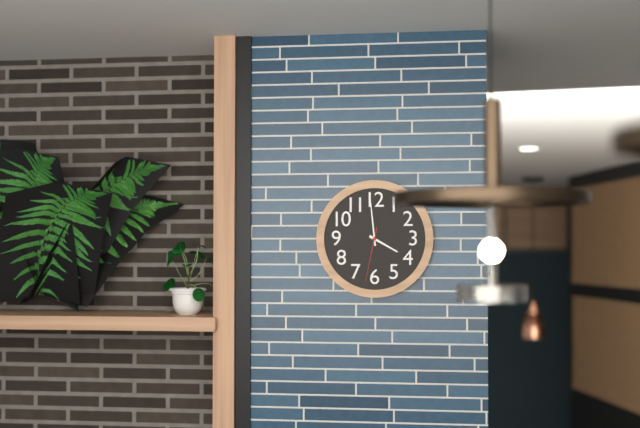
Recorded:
3.59.32
